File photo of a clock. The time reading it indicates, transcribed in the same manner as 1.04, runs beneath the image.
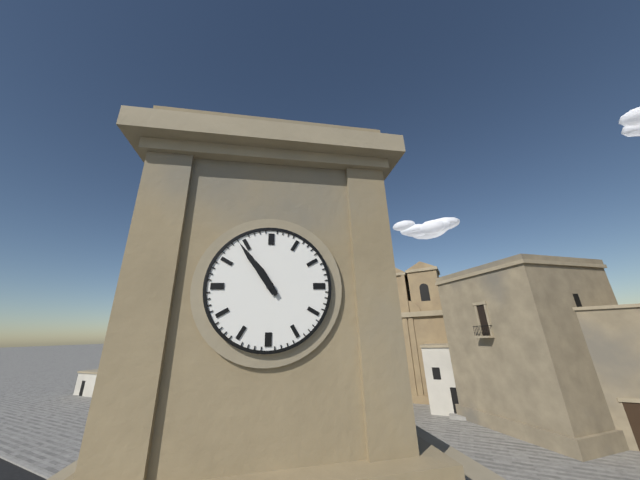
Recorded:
10.54
